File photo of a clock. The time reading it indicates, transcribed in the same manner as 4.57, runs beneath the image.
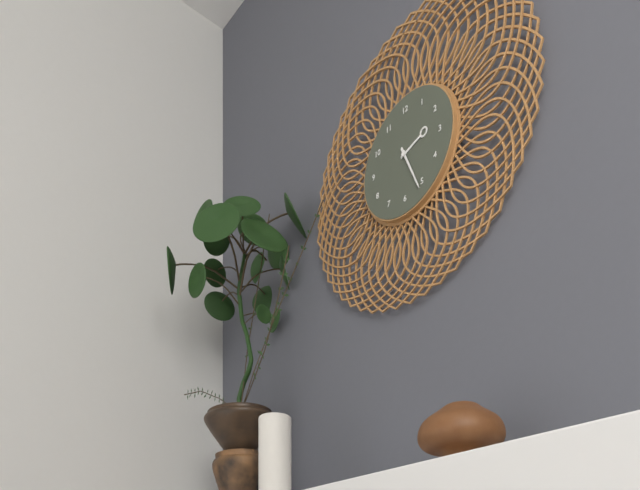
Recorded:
2.26
